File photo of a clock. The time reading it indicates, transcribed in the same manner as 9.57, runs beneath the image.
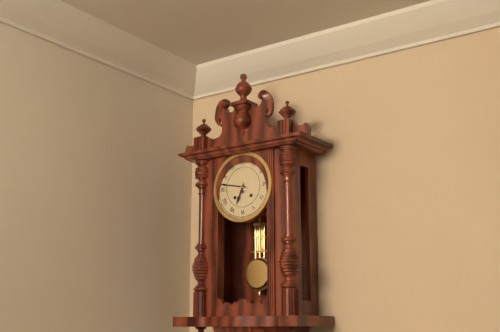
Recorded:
6.47
